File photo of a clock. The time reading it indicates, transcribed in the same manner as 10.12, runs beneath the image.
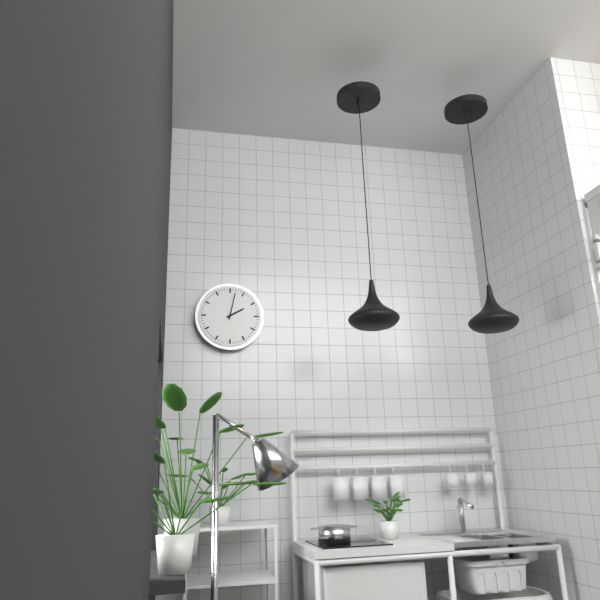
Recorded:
2.02
